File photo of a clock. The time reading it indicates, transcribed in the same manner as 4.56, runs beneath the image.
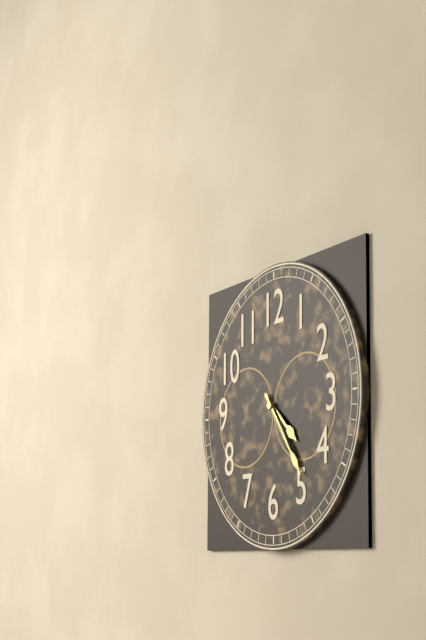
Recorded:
4.24
